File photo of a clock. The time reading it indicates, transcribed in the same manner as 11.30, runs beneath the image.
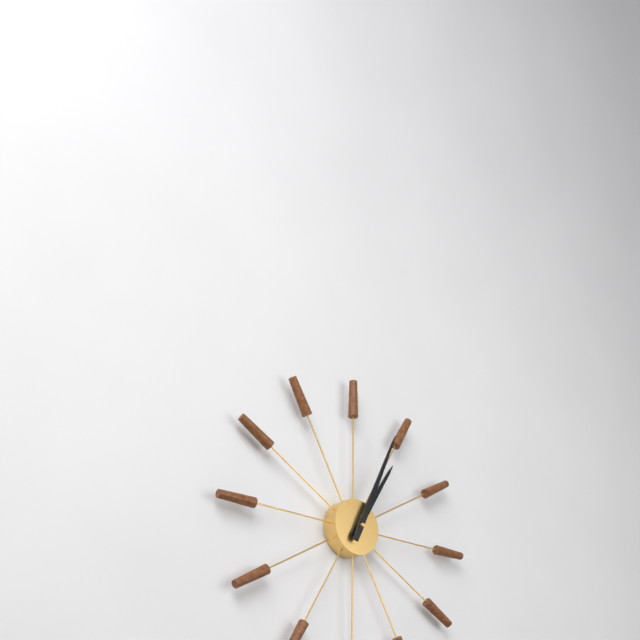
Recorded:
1.04
